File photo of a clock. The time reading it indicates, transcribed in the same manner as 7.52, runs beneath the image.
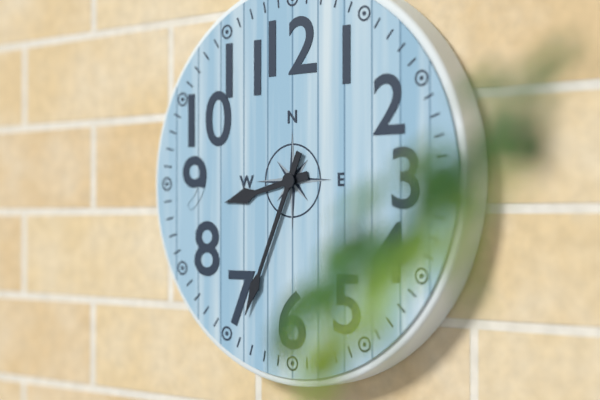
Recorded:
8.34
